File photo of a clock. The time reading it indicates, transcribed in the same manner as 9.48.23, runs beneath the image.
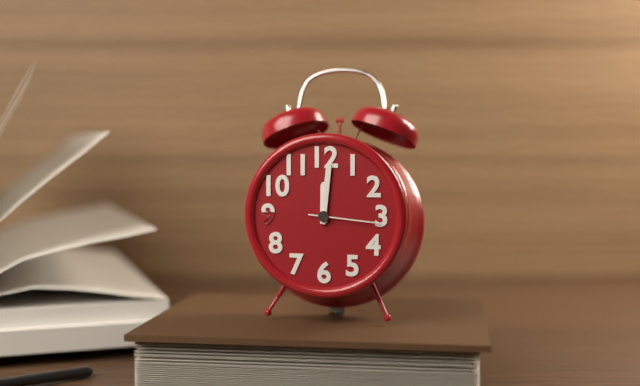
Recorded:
12.01.16
